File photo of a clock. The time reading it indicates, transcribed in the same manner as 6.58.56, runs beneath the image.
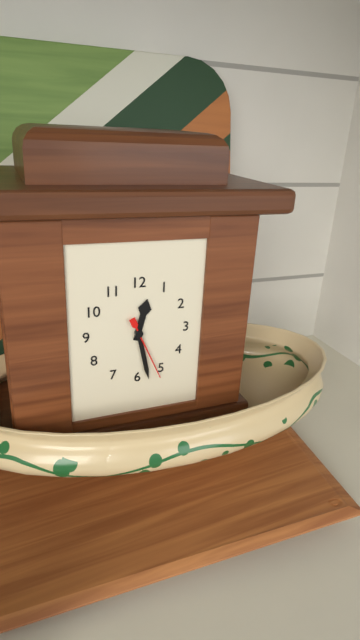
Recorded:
12.28.26
